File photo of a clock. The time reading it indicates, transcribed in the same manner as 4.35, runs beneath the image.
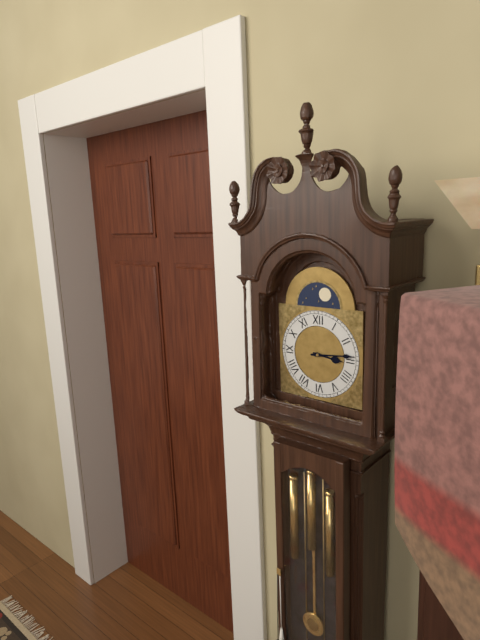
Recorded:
3.14
